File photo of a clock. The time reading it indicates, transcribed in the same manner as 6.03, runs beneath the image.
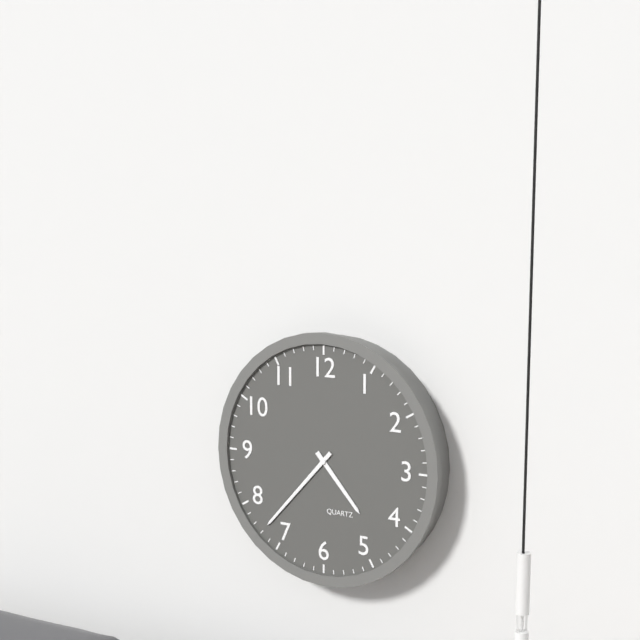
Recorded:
4.37
